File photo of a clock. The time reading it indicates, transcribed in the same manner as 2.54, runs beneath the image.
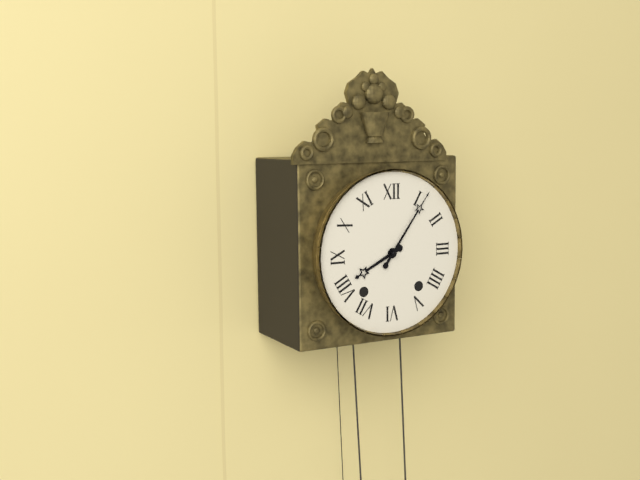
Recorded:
8.06
